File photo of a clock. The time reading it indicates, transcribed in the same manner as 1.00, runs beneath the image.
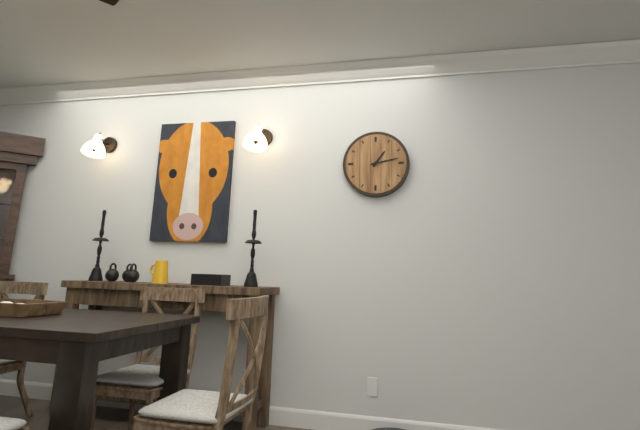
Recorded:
1.13
